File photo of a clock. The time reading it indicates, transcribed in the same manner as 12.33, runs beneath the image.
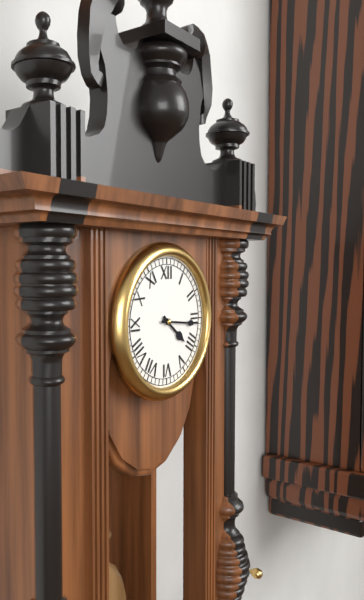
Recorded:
4.16
